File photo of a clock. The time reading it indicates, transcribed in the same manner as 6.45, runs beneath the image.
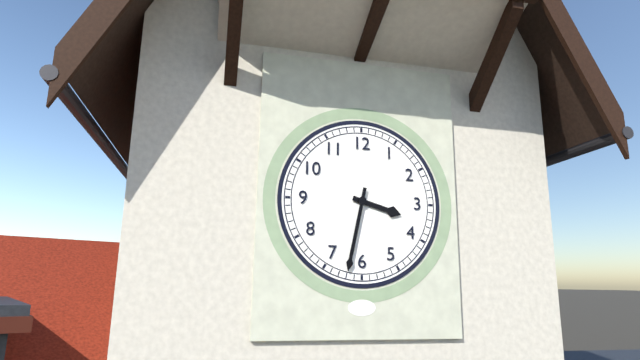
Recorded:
3.32
